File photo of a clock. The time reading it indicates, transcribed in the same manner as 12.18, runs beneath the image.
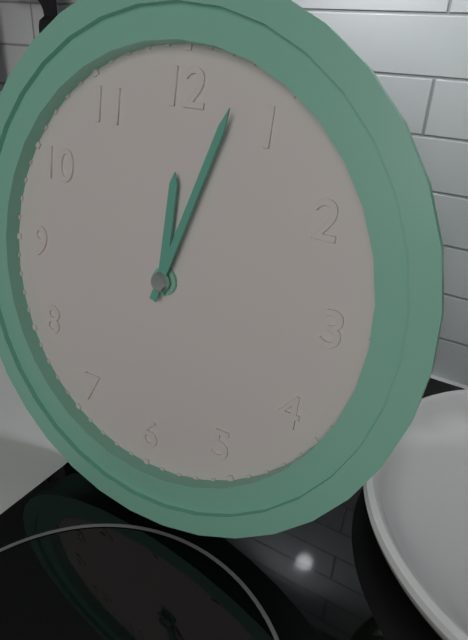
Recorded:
12.03
